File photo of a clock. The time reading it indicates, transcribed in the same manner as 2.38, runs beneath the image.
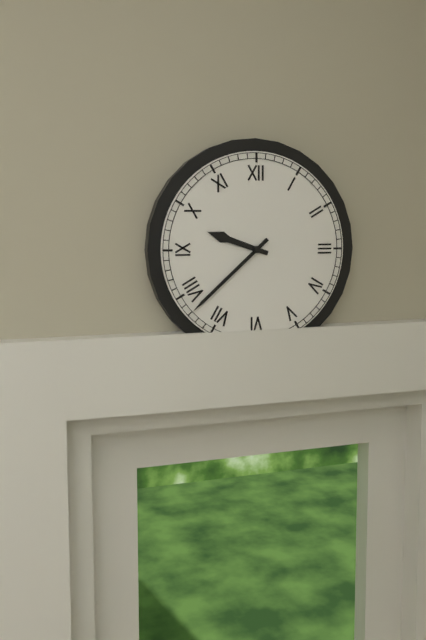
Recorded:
9.38
